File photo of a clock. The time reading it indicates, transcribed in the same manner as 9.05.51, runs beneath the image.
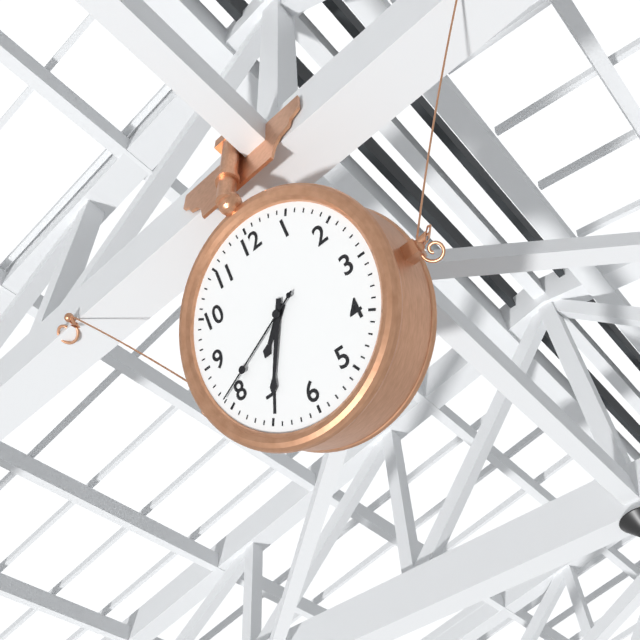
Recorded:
7.35.41
